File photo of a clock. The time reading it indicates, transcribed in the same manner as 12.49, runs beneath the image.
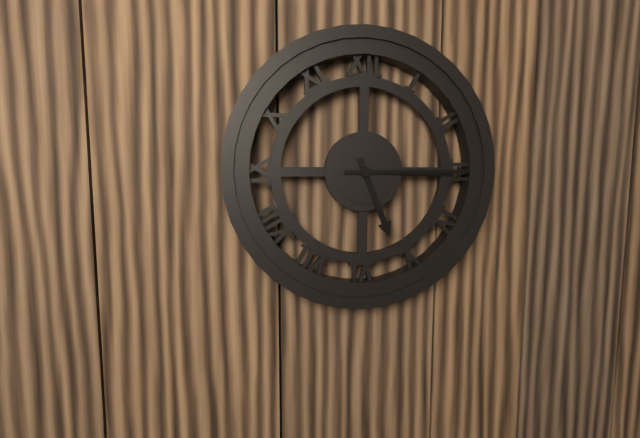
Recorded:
5.15
